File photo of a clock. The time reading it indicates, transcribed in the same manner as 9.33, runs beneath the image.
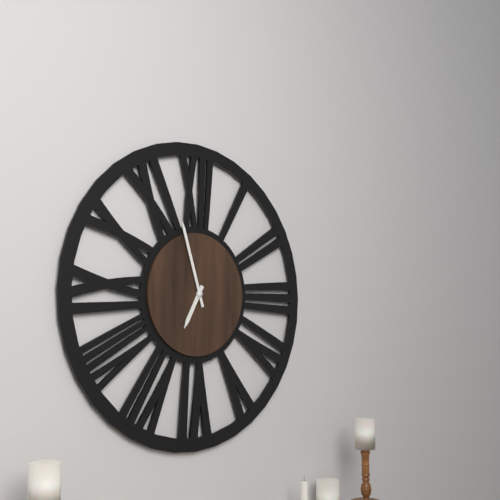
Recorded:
6.57
